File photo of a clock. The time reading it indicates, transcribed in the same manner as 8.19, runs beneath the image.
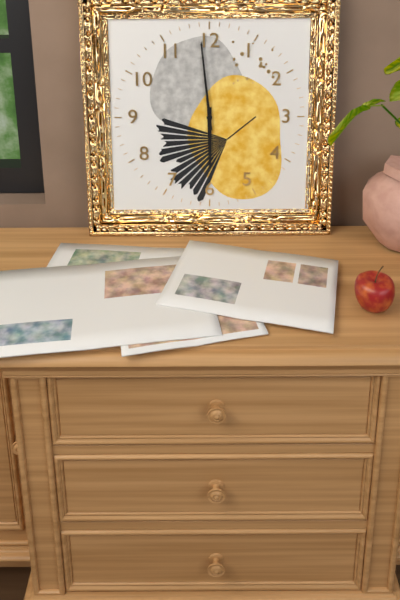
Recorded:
5.59
